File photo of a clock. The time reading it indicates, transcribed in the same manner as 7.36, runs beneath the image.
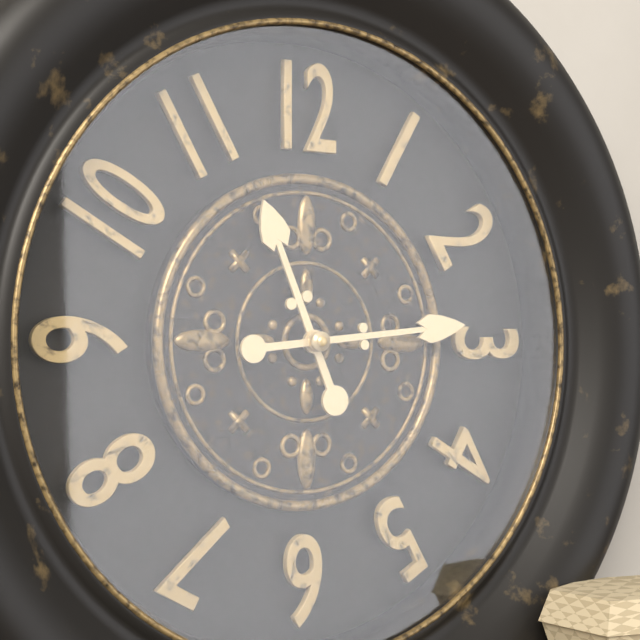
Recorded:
11.14
